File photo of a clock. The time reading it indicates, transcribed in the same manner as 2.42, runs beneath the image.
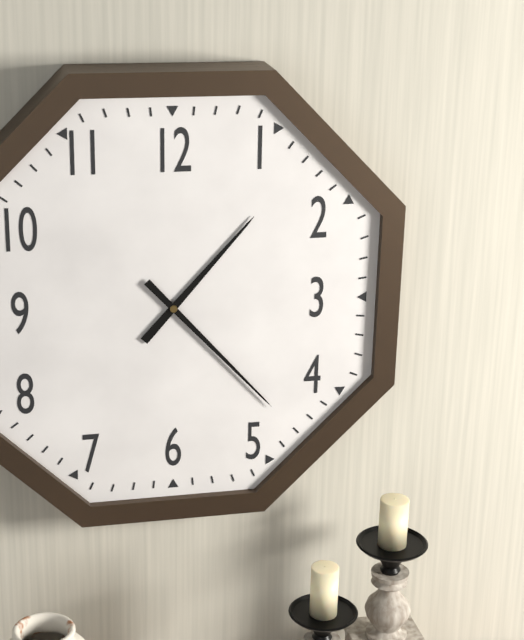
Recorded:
1.23
